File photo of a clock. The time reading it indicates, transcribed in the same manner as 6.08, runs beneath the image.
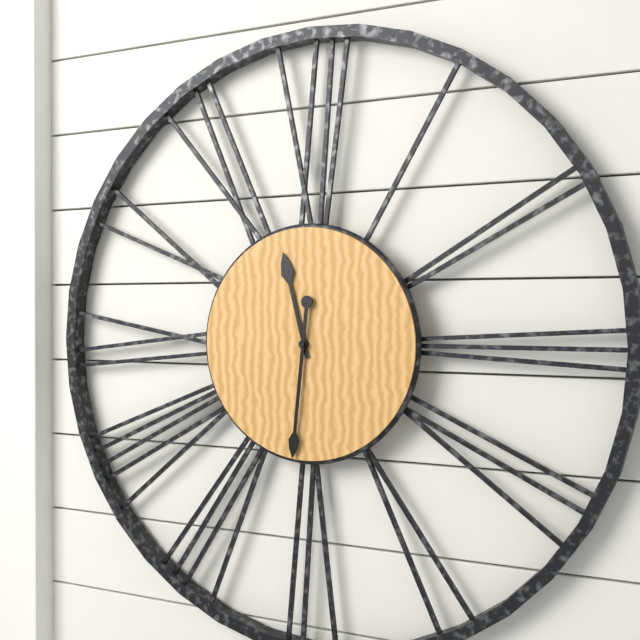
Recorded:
11.31
